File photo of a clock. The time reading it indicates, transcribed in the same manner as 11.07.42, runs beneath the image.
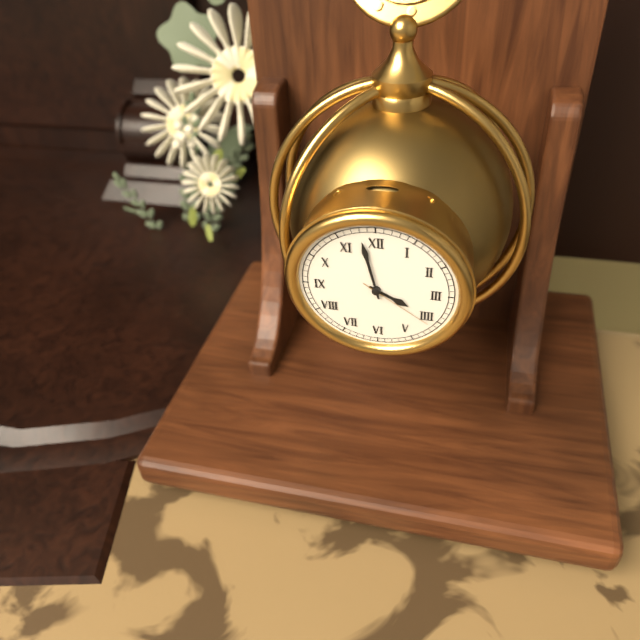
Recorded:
3.58.21
